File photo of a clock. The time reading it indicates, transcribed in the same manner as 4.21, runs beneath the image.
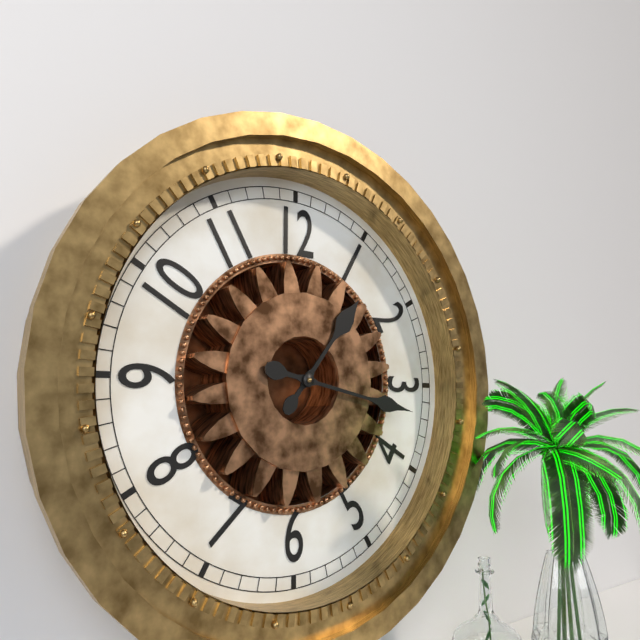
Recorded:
1.17
